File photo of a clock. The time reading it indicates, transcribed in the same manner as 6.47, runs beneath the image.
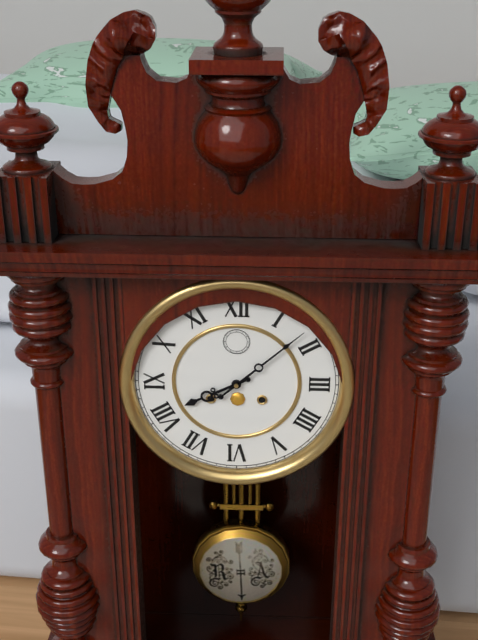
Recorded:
8.08
